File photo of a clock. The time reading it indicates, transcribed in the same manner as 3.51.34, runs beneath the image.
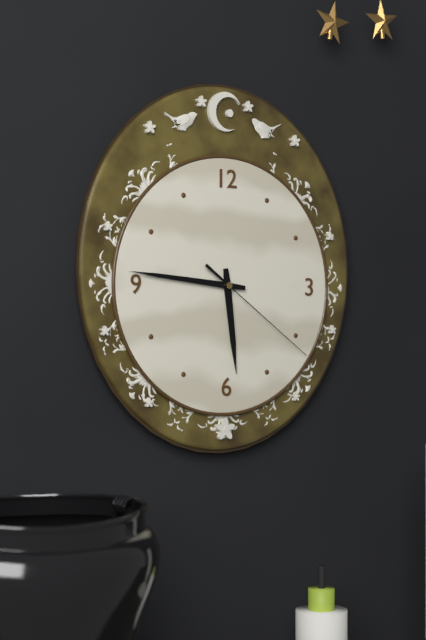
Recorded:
5.46.21
